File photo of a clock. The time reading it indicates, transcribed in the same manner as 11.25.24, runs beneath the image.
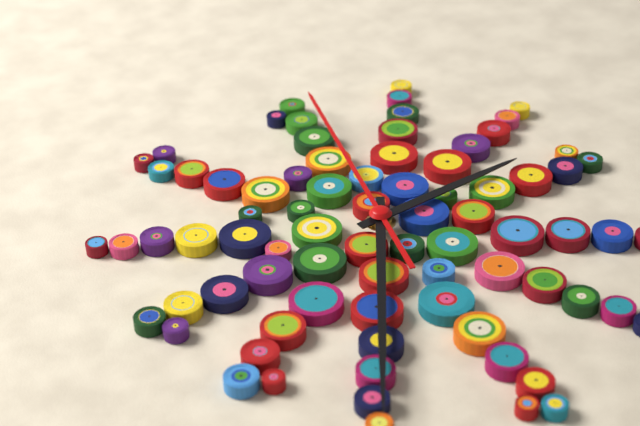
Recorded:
2.34.01
